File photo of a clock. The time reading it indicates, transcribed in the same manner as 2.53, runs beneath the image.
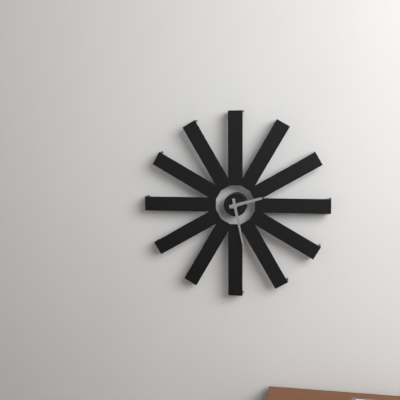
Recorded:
2.28
